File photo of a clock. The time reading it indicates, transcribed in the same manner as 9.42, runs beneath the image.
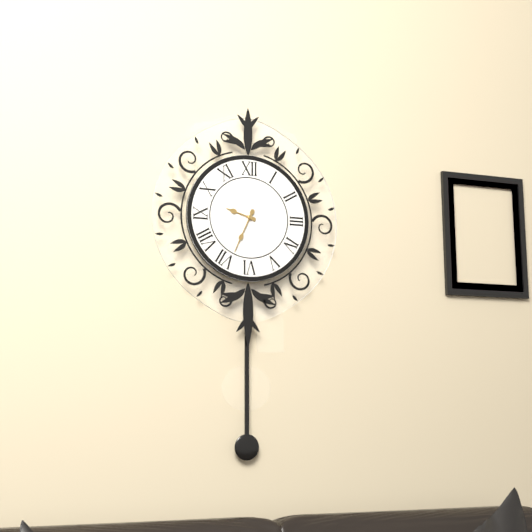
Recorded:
9.34
